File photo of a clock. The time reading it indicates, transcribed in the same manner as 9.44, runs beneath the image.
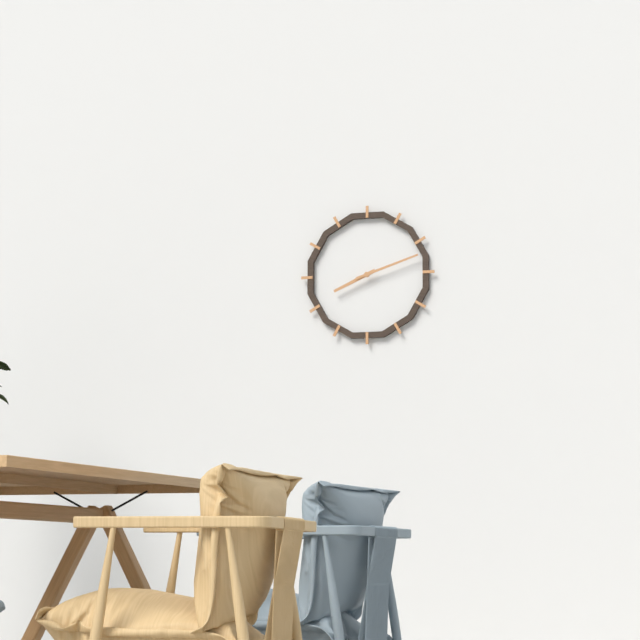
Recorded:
8.12
